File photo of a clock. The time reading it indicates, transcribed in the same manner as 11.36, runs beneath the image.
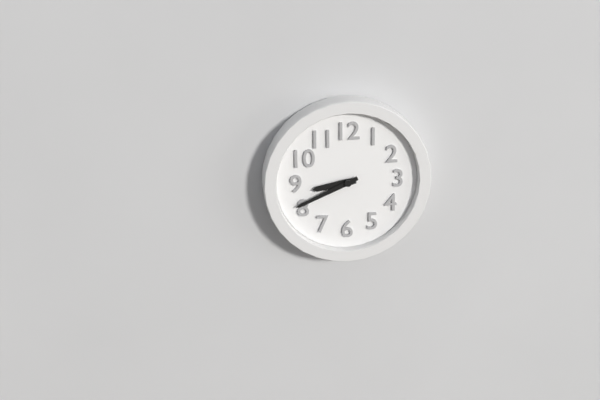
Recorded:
8.41
